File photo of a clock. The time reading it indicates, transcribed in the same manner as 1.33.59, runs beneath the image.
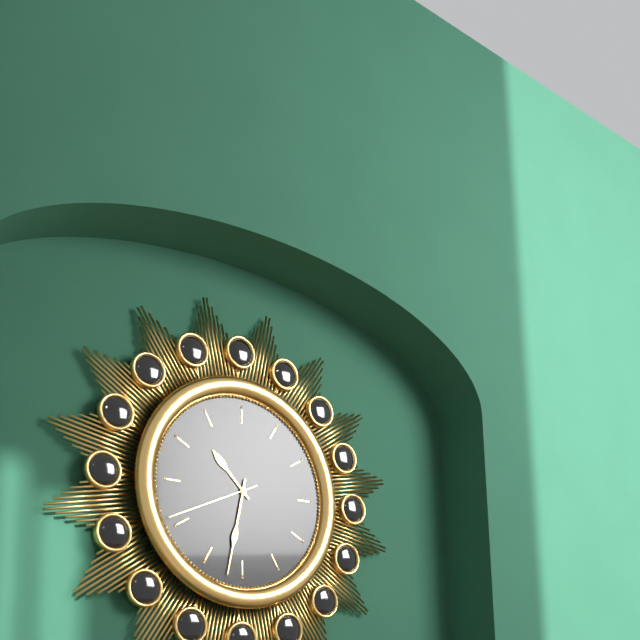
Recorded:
10.32.41
